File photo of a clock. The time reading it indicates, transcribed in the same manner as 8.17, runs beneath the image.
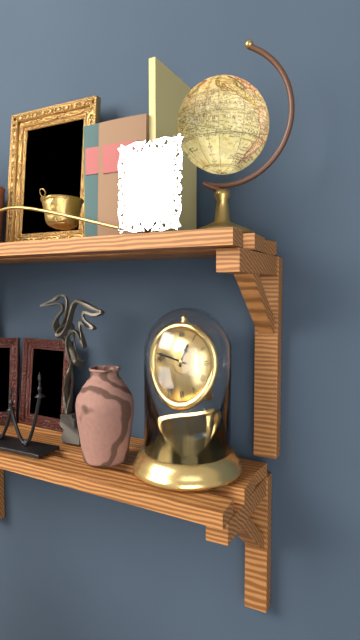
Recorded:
12.47
